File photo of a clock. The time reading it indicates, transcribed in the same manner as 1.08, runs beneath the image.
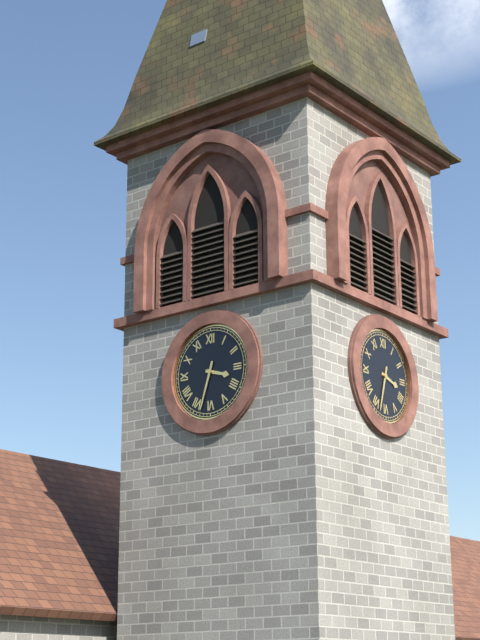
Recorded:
3.33
